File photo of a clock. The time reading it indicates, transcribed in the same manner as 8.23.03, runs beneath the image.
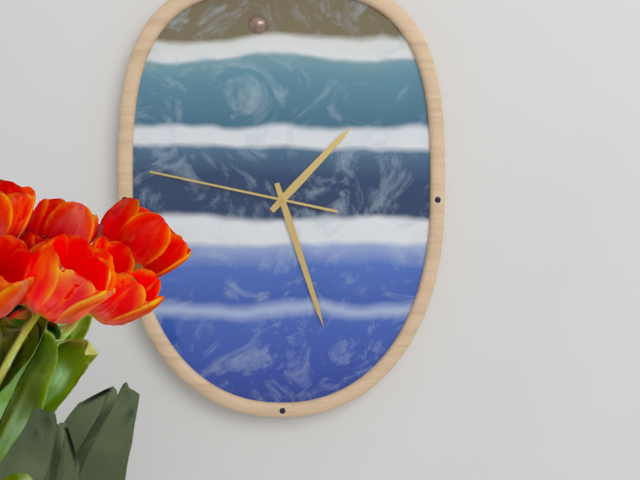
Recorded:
1.27.47
